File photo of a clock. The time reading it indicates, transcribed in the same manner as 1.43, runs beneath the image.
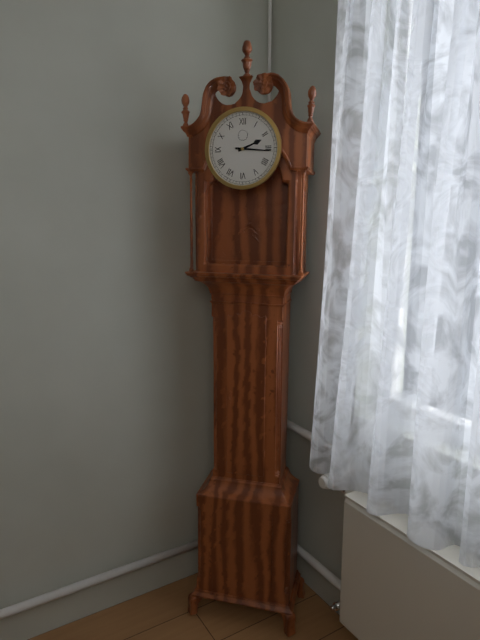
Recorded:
2.16
